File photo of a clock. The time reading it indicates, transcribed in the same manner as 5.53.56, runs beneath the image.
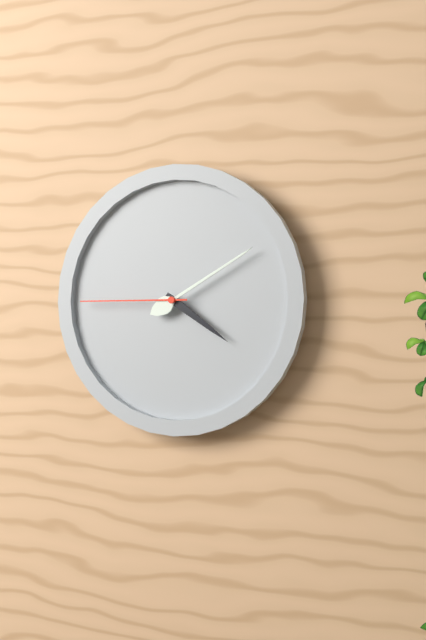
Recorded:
4.10.45
